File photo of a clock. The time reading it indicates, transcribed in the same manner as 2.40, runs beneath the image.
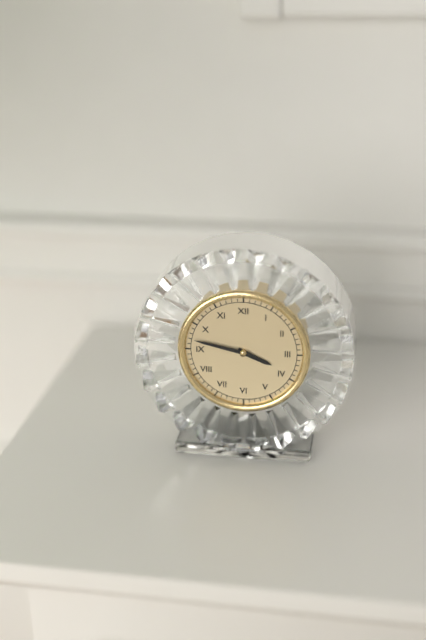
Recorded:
3.47
